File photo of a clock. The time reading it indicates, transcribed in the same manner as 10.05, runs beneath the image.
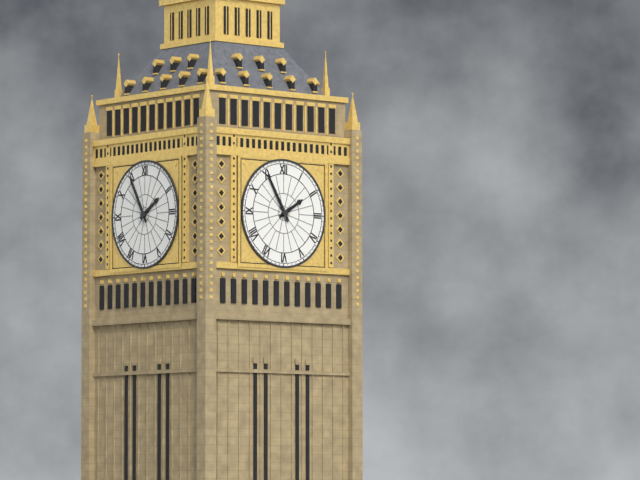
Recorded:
1.55
